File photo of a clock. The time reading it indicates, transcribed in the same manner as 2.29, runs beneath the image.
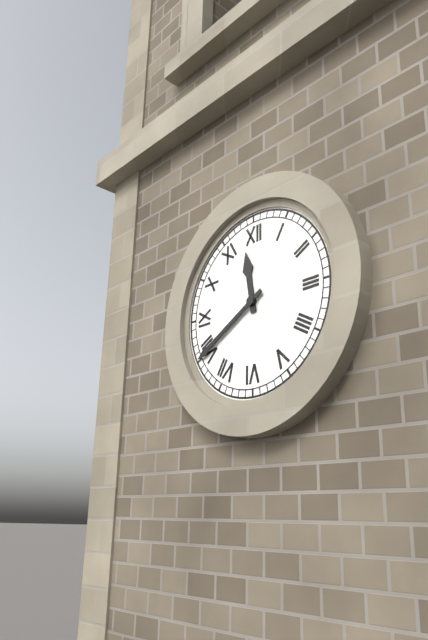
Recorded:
11.40
